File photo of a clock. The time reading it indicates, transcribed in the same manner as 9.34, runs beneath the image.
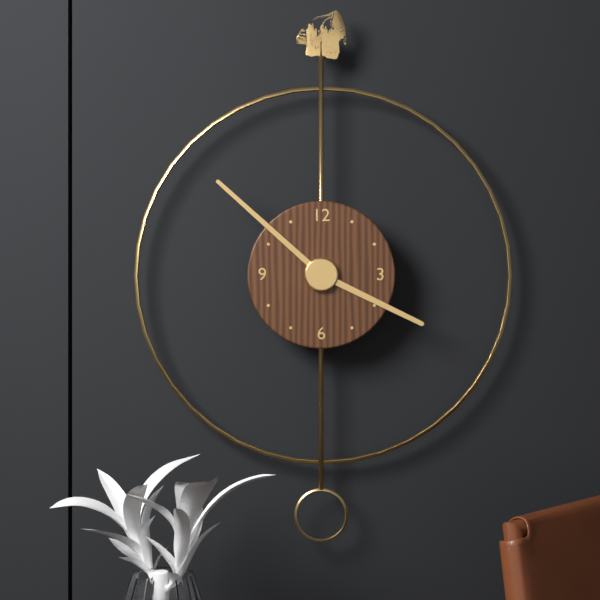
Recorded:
3.52
